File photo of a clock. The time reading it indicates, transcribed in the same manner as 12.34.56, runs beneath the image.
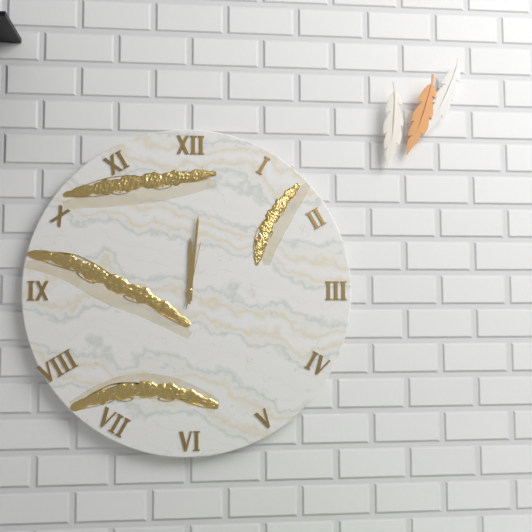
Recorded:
12.01.02
